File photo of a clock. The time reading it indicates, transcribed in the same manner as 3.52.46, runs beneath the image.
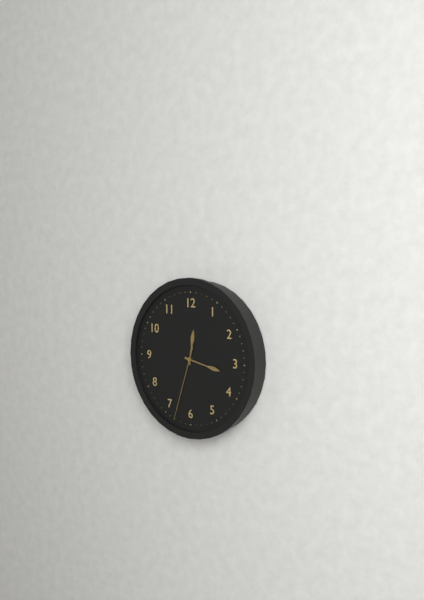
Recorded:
12.17.33
